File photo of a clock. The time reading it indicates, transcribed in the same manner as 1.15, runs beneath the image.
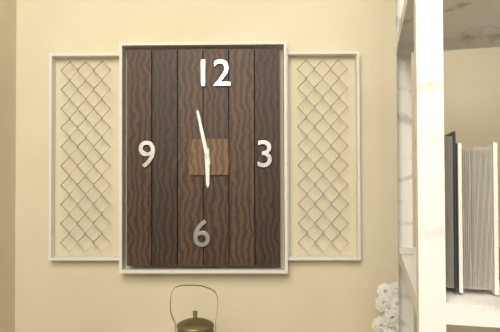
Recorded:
5.58
